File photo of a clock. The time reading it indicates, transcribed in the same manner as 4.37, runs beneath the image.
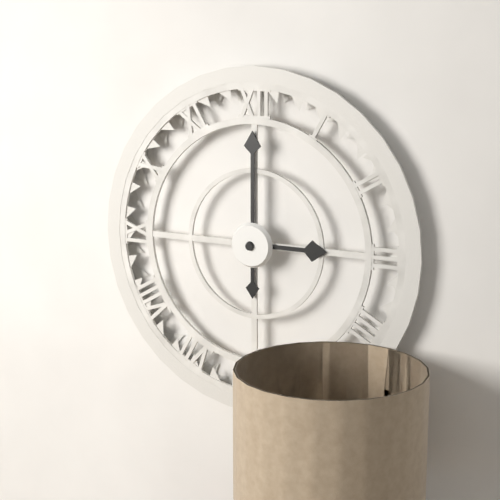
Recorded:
3.00
